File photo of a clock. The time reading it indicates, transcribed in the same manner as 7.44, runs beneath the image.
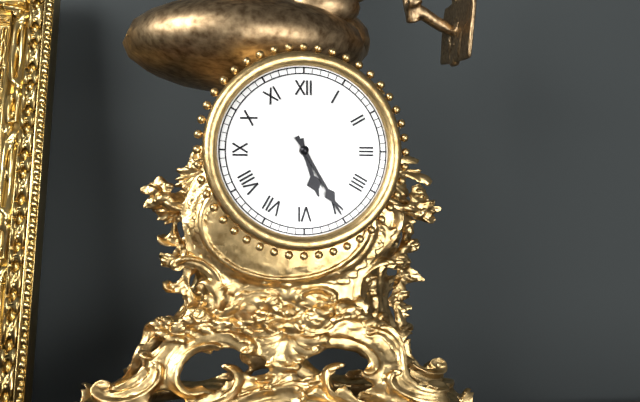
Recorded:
5.25
